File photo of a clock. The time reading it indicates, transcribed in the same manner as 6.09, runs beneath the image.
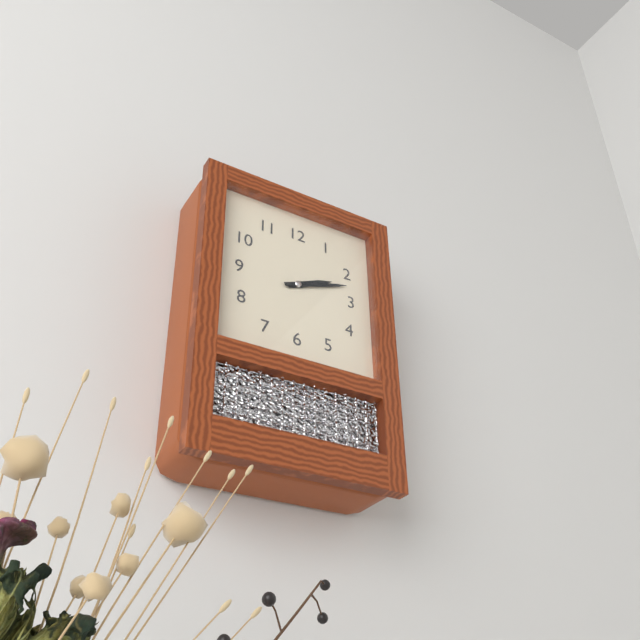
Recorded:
2.12
